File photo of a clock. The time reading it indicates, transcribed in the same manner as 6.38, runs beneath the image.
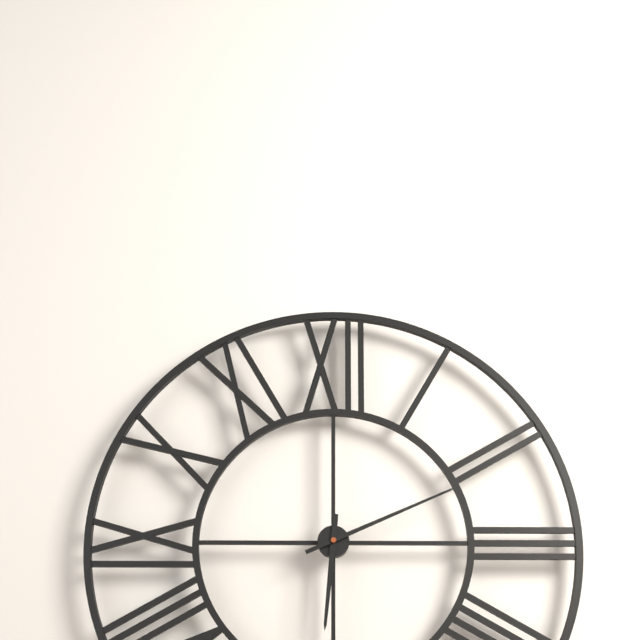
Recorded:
6.11
